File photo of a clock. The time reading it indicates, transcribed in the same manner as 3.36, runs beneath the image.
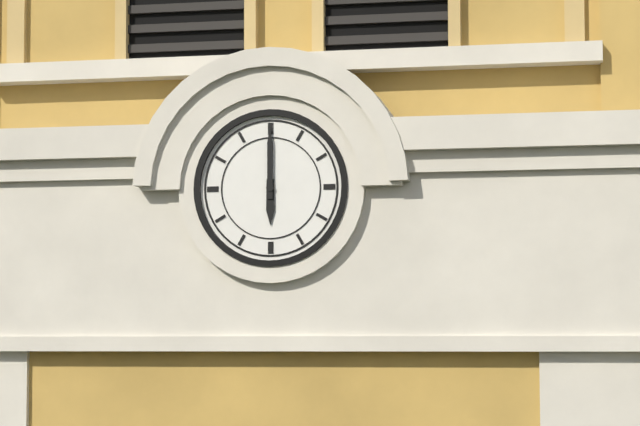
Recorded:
6.00
